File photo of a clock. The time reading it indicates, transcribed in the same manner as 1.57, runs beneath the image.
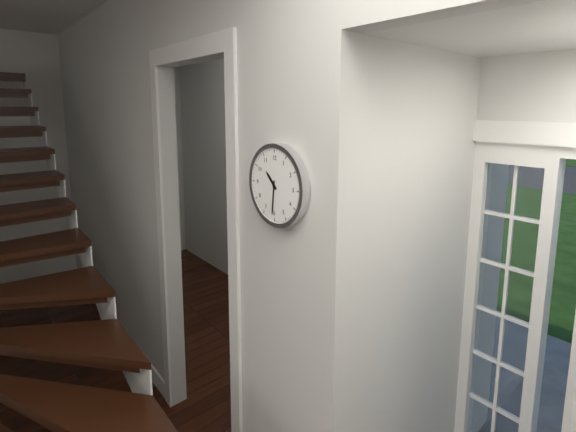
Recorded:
10.31
